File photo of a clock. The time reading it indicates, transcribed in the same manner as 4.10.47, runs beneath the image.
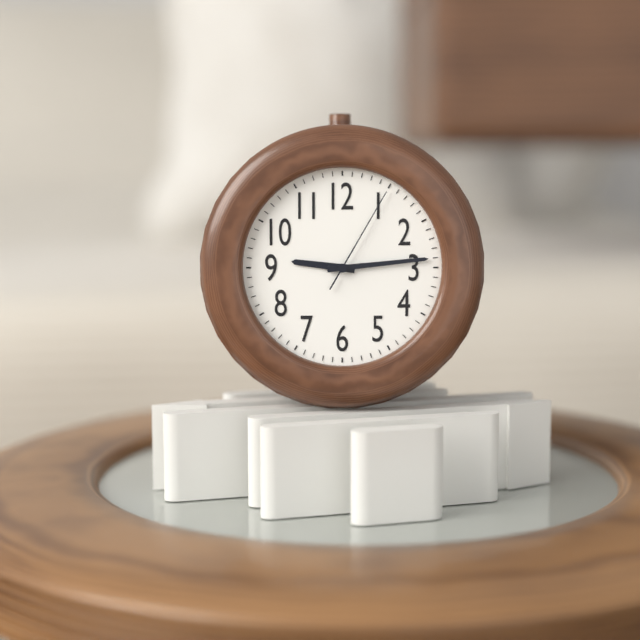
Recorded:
9.14.05
